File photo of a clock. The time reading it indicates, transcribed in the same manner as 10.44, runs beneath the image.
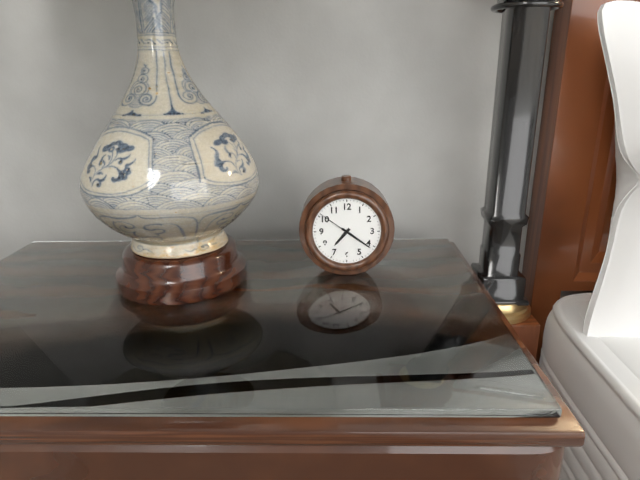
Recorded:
7.21
